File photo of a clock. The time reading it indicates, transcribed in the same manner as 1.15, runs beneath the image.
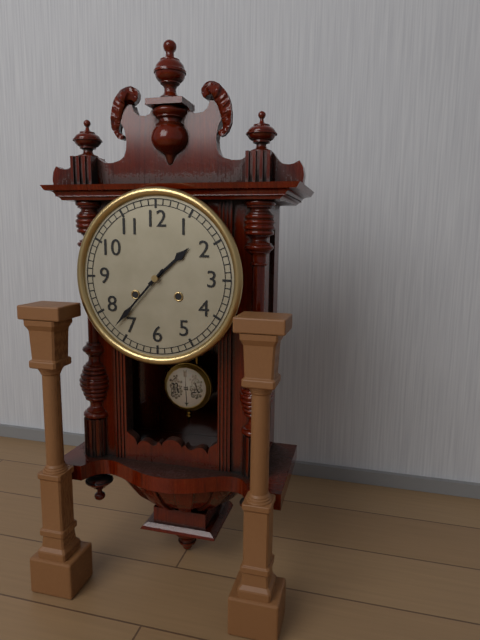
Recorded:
1.37
